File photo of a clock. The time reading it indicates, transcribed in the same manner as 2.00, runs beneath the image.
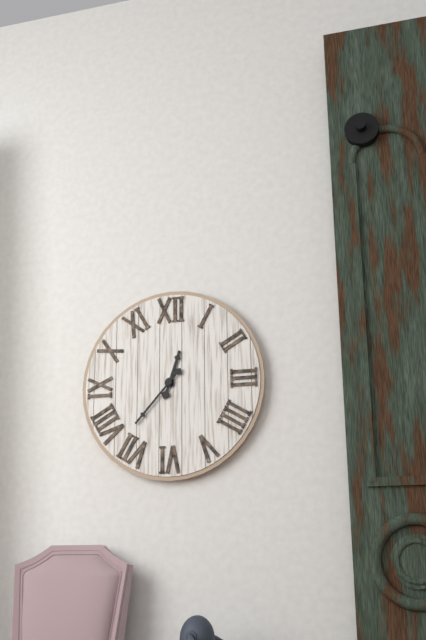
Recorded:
12.37
